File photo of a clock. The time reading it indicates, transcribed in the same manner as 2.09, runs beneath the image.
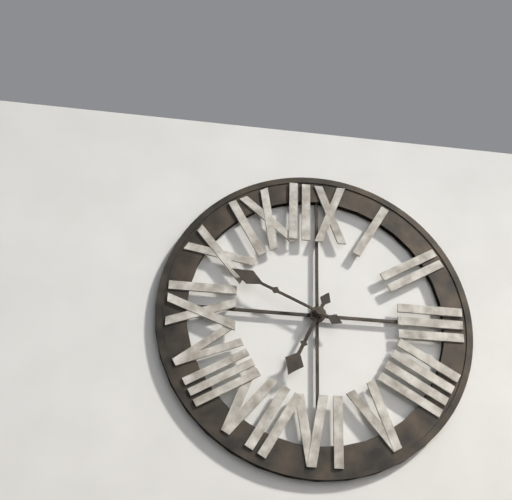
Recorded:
6.49
